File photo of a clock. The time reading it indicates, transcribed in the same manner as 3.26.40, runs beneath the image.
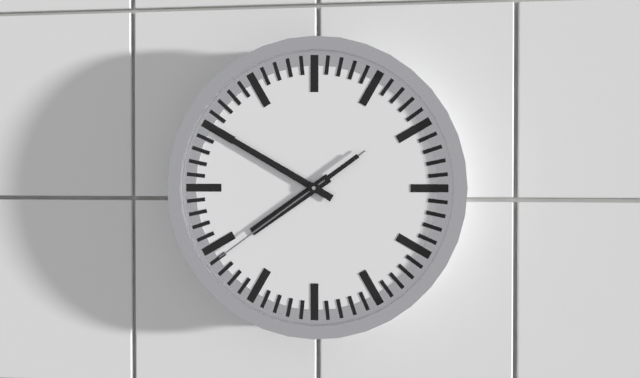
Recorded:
7.50.39
